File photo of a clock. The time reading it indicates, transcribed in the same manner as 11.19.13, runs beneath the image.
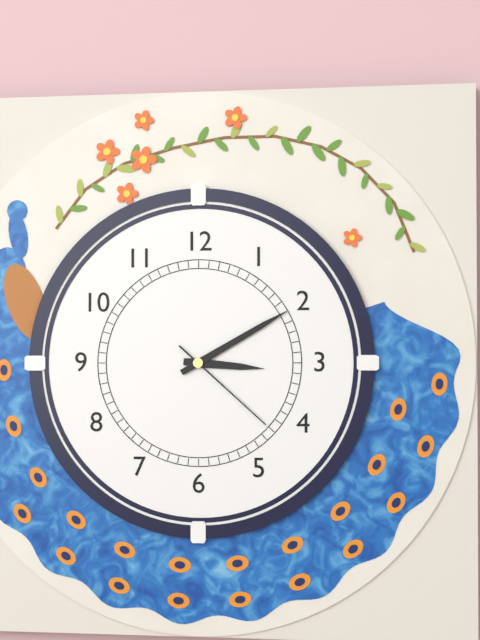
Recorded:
3.10.22
